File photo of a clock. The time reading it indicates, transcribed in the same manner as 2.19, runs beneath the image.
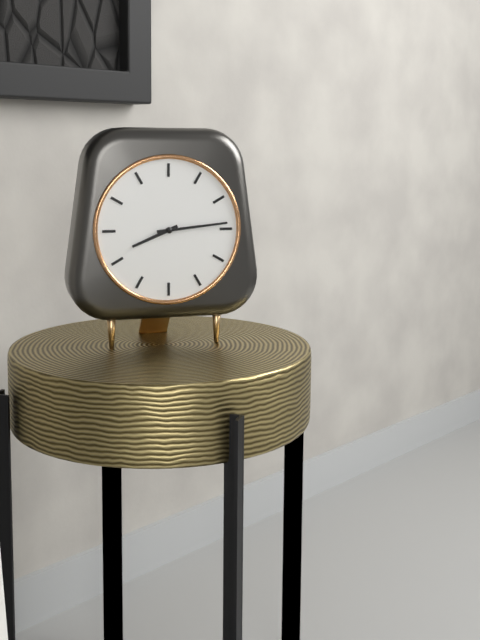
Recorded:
8.14
